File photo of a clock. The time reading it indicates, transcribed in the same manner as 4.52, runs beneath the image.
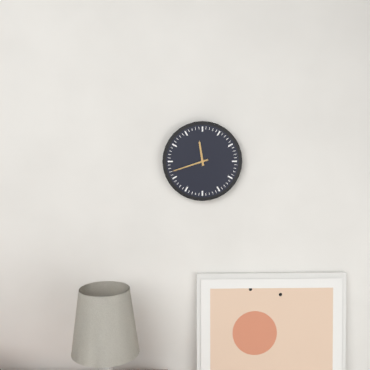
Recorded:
11.42
